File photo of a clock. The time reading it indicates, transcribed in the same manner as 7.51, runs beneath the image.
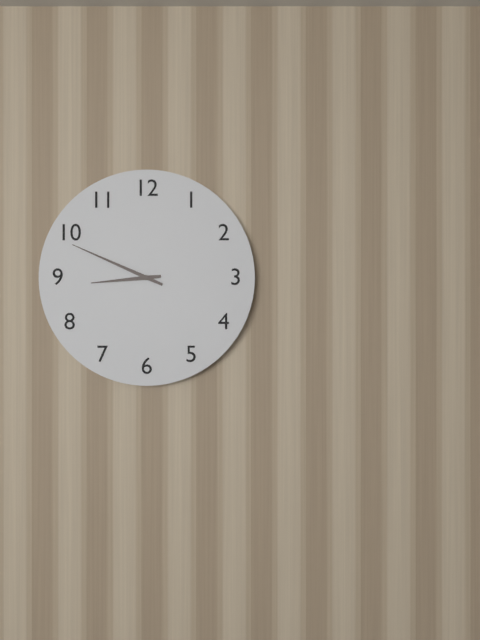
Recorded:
8.49
